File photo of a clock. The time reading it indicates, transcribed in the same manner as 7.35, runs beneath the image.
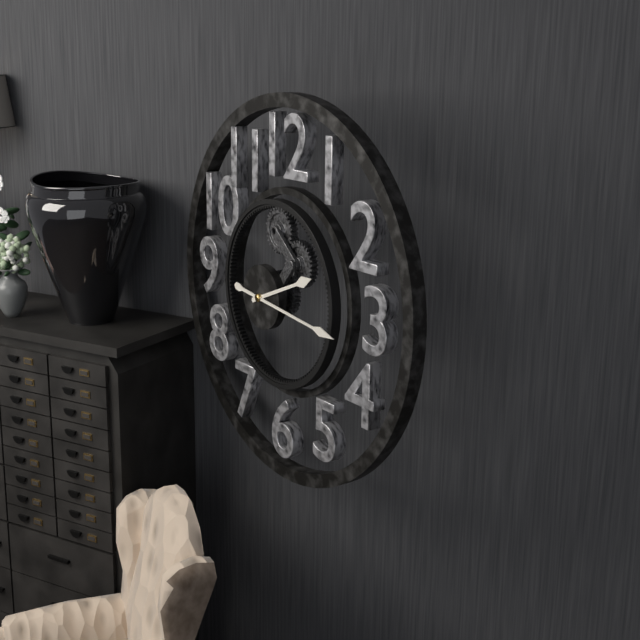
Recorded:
2.16
